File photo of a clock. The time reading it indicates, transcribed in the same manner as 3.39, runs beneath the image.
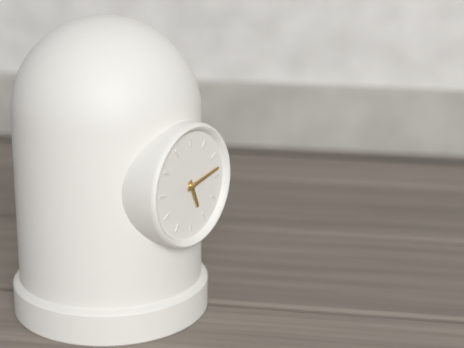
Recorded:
5.13
